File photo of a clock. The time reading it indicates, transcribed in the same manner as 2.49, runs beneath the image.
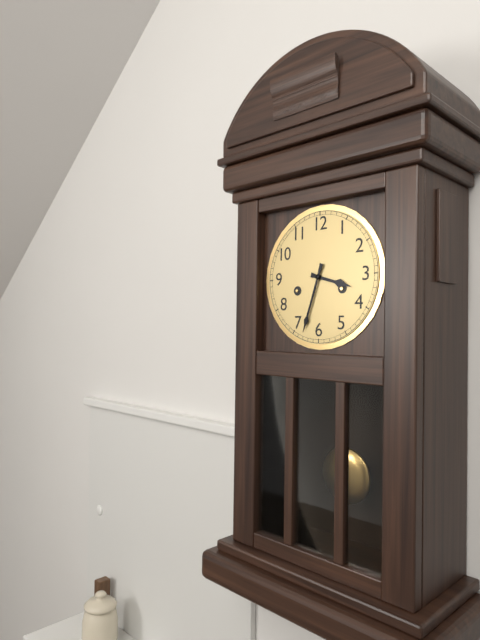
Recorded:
3.33
